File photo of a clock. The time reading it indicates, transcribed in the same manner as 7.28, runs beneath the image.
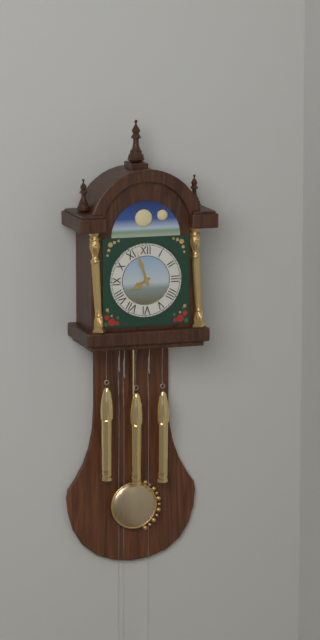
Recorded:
7.57
